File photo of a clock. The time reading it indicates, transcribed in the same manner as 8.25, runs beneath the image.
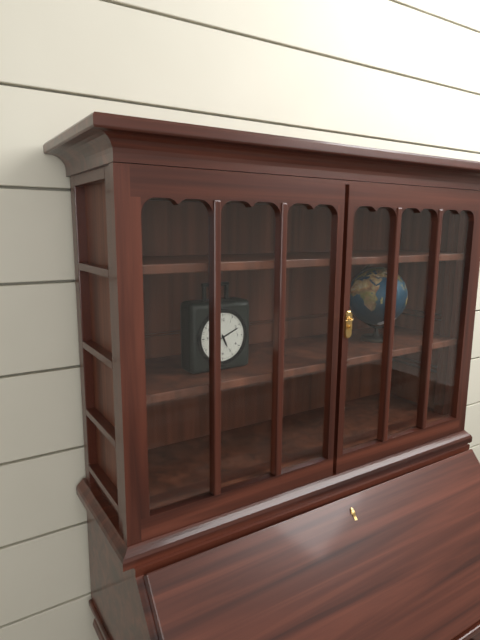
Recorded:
5.11
